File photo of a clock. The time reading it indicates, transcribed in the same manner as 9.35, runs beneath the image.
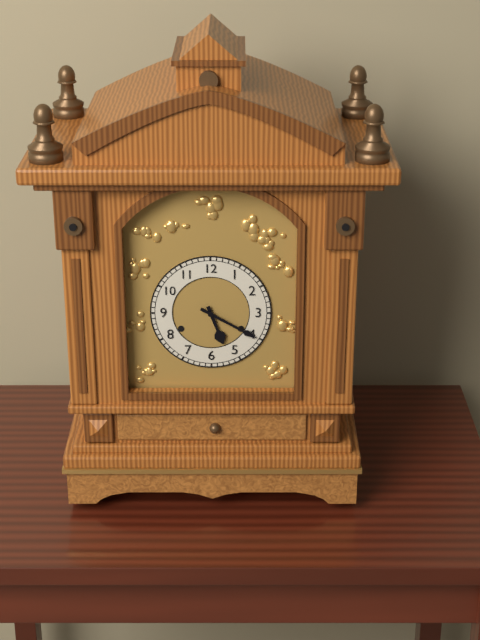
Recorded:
5.20
